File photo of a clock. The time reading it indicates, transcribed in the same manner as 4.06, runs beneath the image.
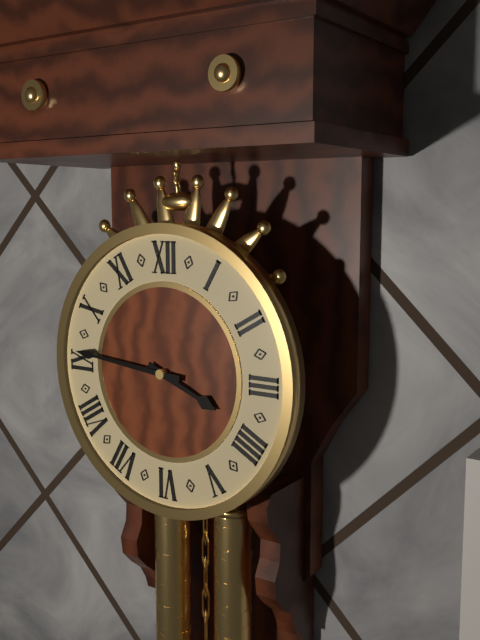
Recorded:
3.46
